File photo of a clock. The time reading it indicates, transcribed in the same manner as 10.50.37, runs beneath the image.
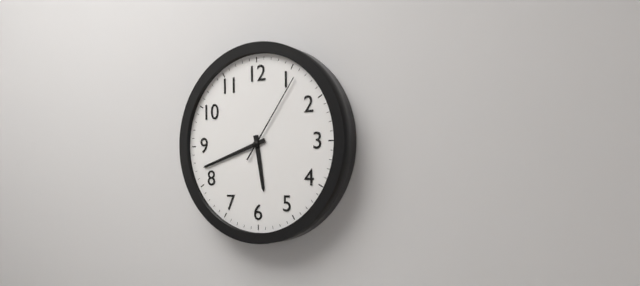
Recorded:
5.42.06
